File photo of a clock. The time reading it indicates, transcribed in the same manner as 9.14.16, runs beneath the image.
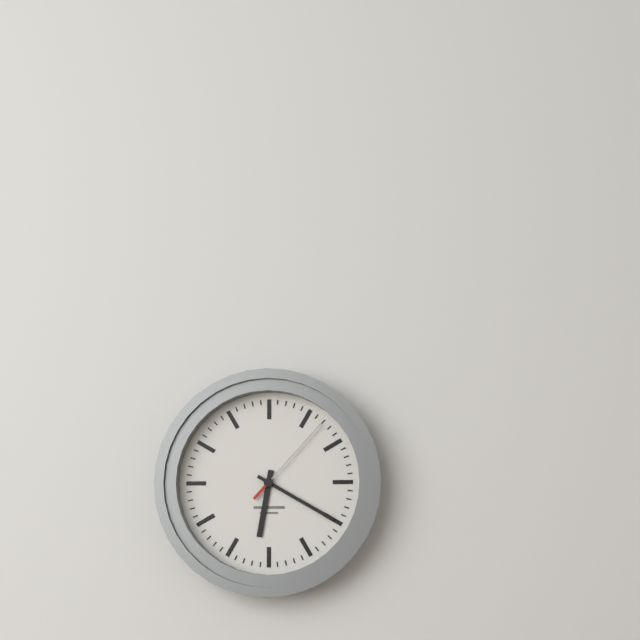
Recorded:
6.20.07
